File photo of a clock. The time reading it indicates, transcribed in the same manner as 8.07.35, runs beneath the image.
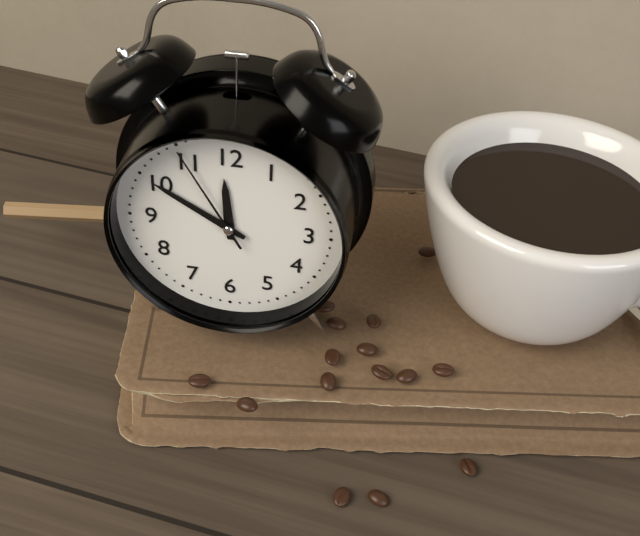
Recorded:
11.50.55
